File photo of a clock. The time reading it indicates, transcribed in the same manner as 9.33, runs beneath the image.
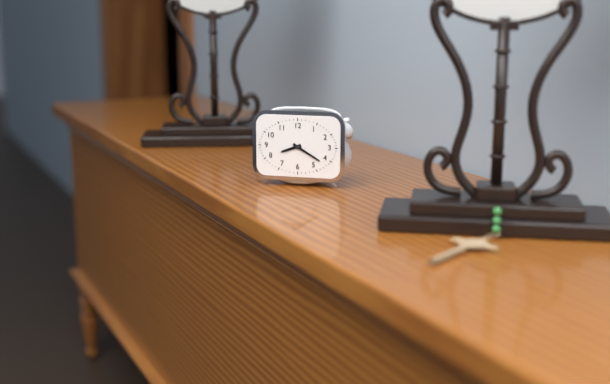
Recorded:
8.20
